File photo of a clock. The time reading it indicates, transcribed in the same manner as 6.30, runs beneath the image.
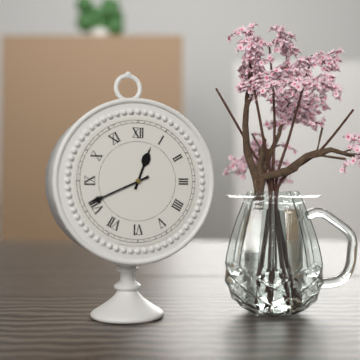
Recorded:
12.41
